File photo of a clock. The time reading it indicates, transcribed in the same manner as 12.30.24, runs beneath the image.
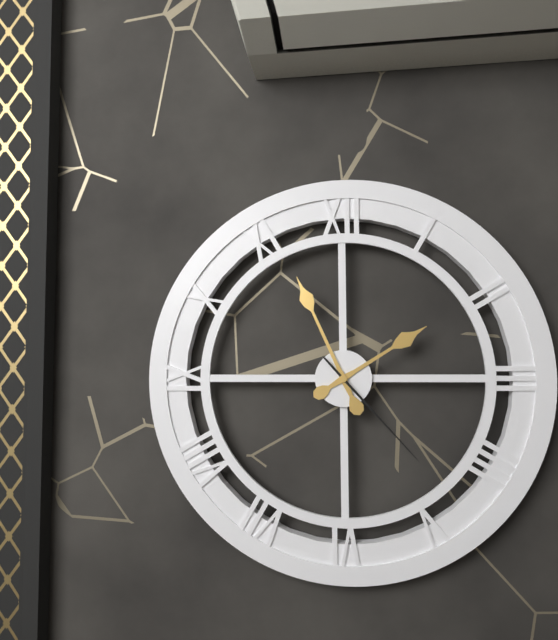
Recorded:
1.56.23
